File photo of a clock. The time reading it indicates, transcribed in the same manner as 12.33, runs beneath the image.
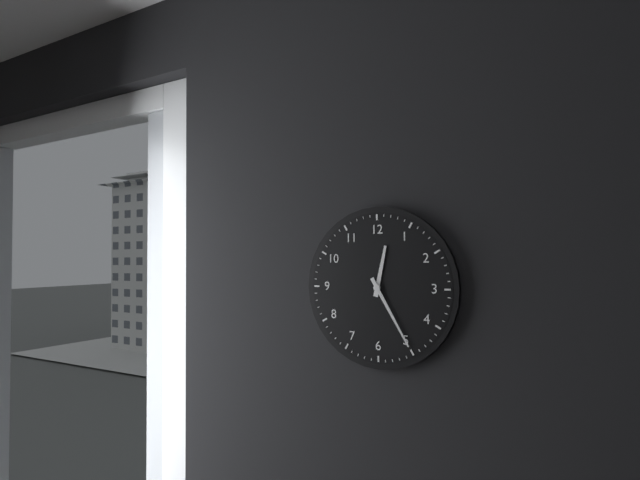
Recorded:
12.25
